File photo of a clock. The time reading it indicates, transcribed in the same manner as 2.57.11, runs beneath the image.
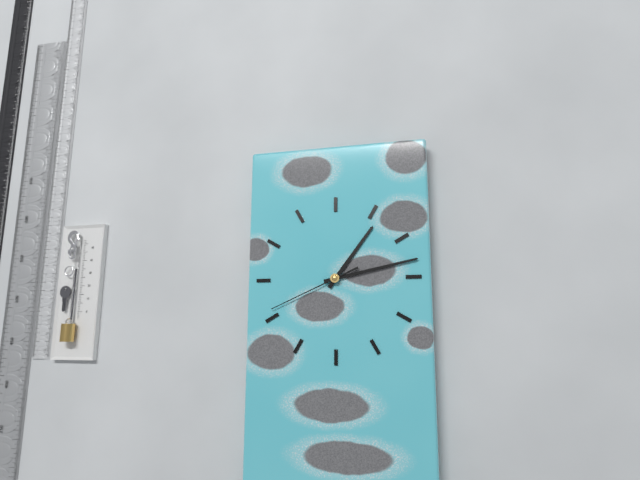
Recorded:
1.13.41
